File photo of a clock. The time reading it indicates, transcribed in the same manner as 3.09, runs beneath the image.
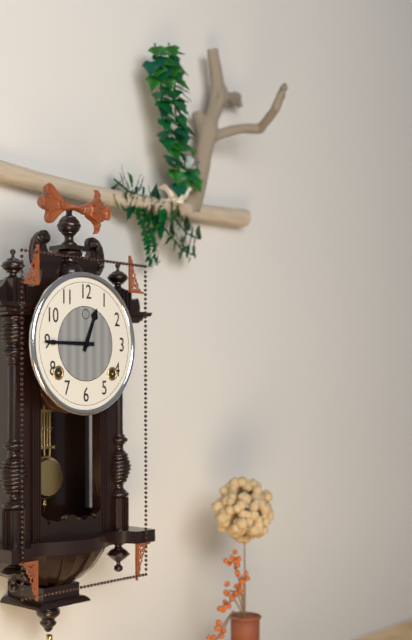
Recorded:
12.45
